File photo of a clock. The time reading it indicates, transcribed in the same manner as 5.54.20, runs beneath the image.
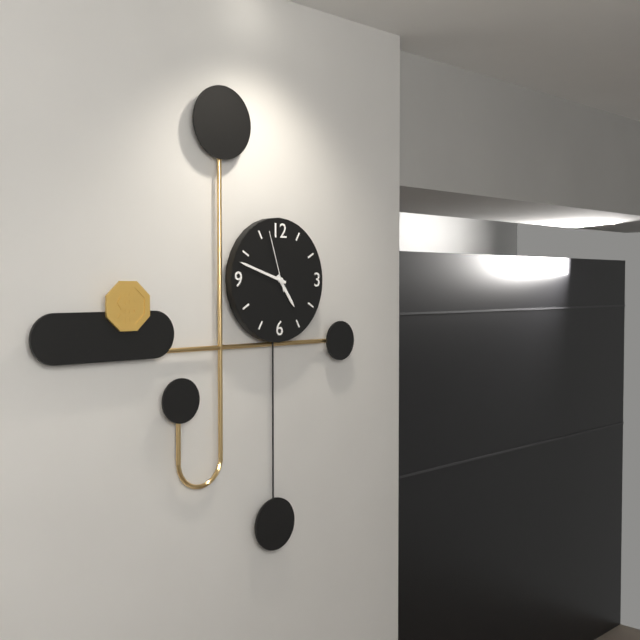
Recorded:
4.48.57
